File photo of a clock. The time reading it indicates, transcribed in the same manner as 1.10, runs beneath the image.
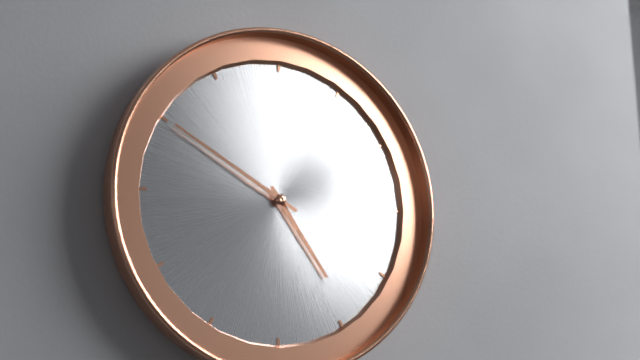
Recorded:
4.50
